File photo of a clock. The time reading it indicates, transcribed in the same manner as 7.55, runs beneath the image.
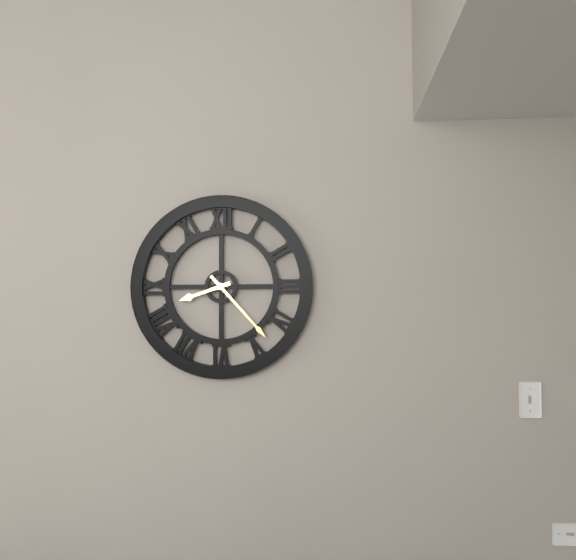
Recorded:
8.23
